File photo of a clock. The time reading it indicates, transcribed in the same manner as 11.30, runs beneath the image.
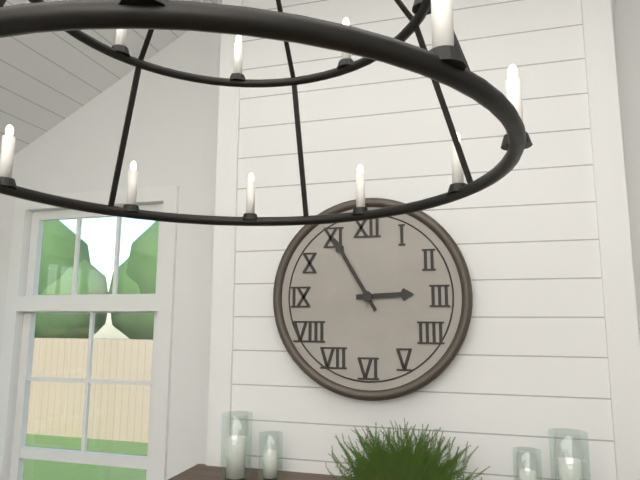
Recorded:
2.55
